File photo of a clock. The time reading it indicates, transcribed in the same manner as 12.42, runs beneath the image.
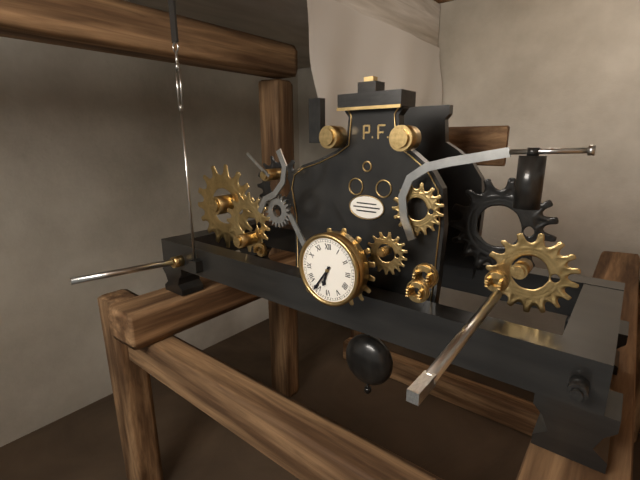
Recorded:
6.36
